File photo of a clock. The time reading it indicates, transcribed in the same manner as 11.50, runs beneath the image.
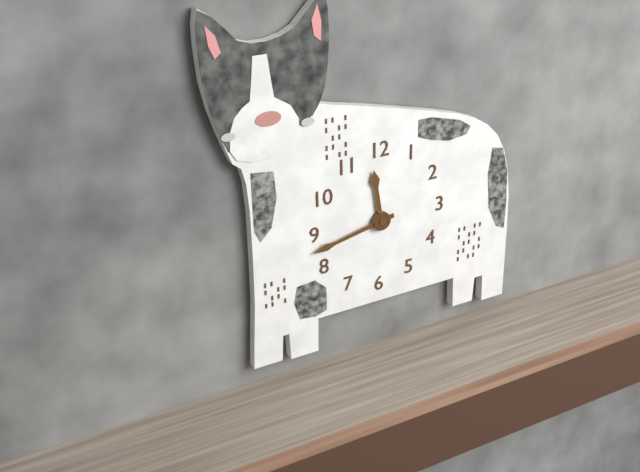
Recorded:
11.43
